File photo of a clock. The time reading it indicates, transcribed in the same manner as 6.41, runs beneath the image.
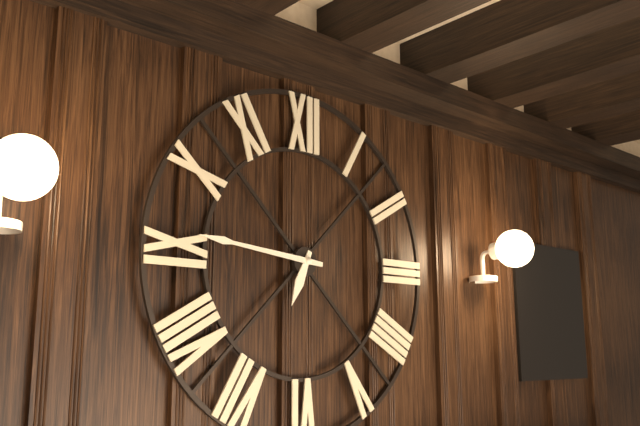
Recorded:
6.46
